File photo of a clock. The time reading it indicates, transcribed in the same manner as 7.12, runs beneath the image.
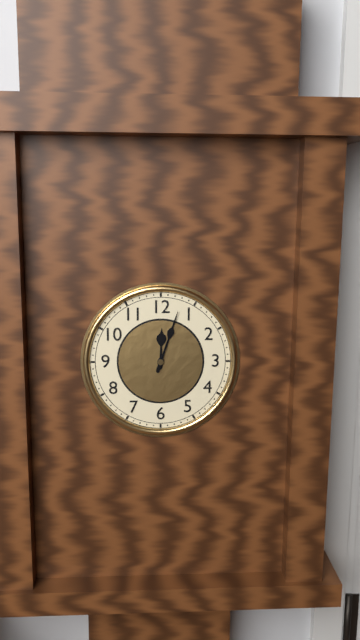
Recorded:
12.03
